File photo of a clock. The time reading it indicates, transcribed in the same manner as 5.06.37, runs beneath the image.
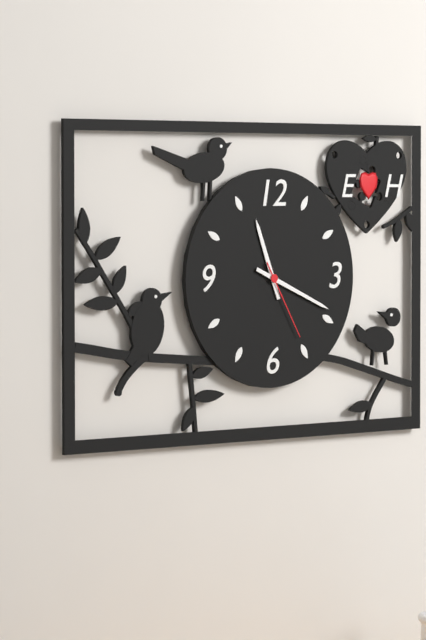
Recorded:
11.19.25
